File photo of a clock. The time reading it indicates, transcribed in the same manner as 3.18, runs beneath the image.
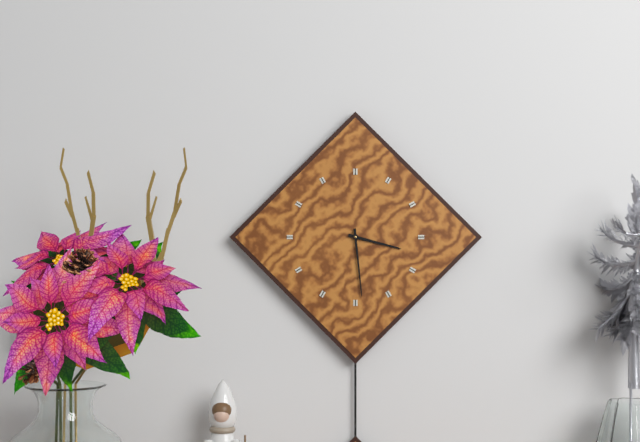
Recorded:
3.29
